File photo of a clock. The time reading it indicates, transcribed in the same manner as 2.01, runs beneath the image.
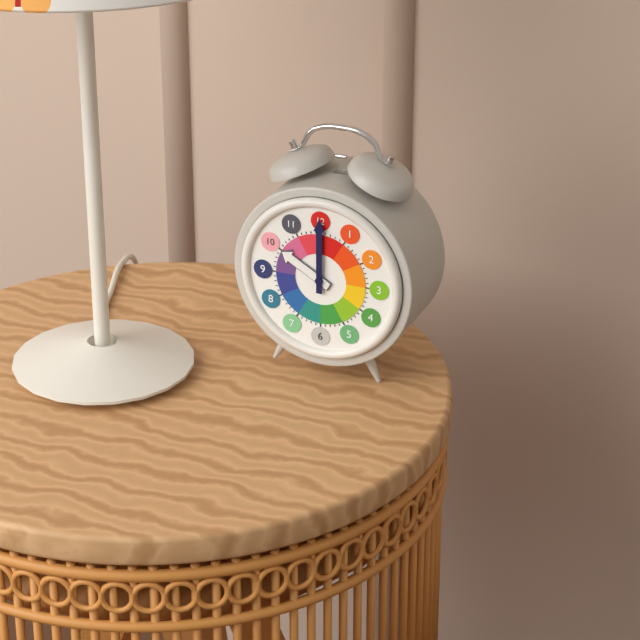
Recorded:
10.00
